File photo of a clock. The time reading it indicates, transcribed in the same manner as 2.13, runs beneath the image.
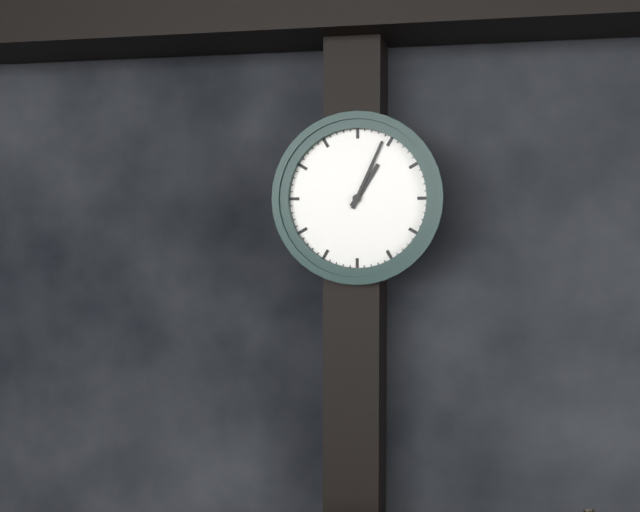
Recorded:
1.04
